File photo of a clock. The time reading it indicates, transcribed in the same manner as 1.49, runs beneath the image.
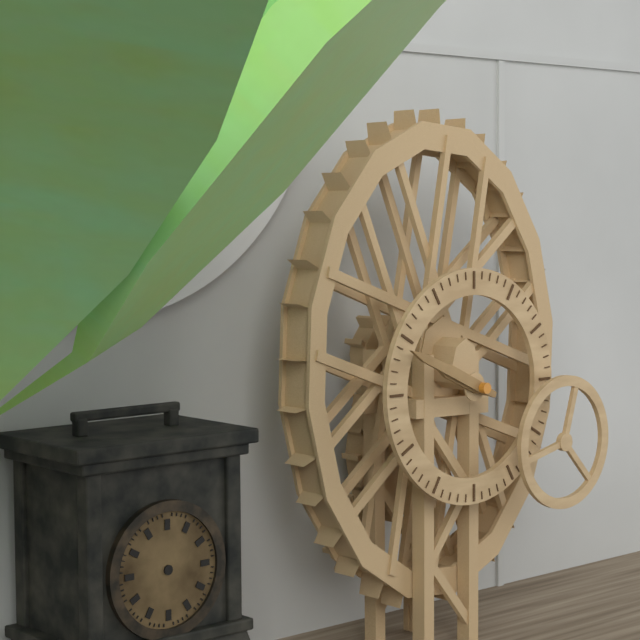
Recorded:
9.49
